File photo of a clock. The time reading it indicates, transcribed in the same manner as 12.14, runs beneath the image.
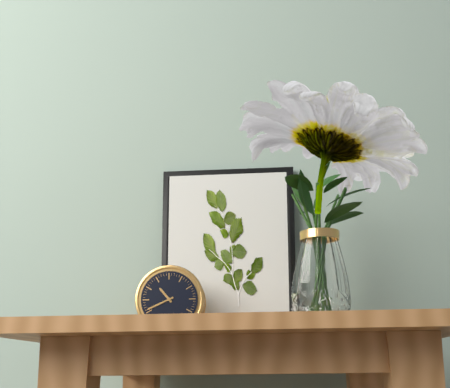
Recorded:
10.41
